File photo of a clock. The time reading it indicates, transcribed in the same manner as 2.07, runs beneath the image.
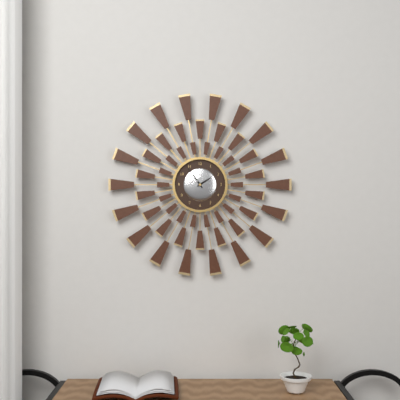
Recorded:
1.54
